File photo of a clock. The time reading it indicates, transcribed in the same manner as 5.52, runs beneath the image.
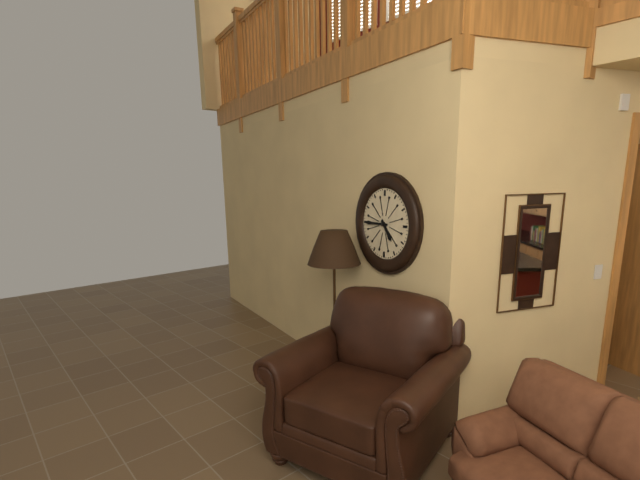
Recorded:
4.45
